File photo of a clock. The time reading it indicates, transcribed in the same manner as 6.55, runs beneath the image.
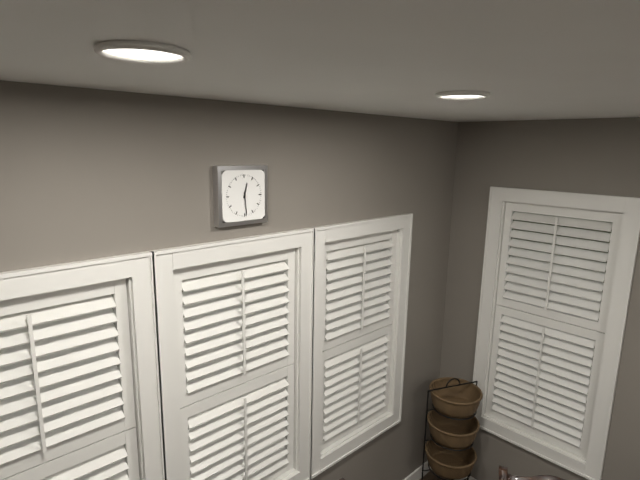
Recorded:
12.29
